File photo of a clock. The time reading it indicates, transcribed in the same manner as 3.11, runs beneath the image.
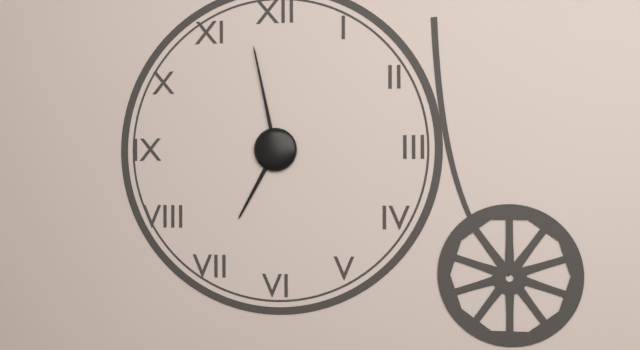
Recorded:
6.58
